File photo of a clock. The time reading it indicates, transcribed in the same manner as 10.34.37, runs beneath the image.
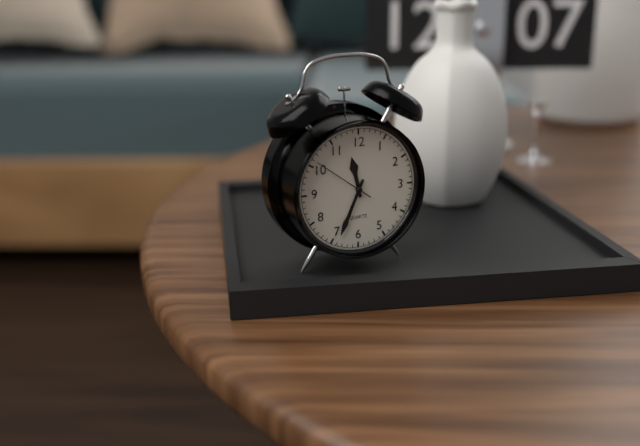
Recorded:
11.34.51
